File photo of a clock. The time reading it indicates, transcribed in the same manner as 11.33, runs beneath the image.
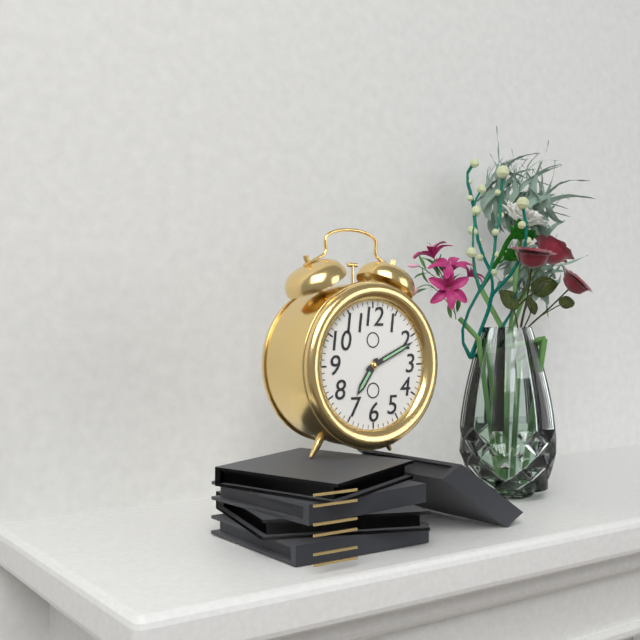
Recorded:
7.11
